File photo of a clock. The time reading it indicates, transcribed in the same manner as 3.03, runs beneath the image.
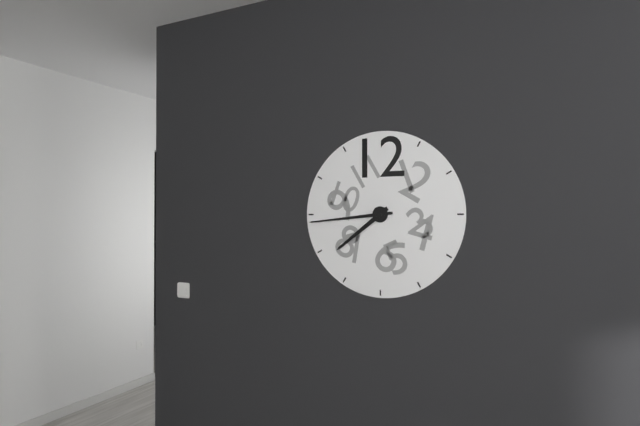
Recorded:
7.44
